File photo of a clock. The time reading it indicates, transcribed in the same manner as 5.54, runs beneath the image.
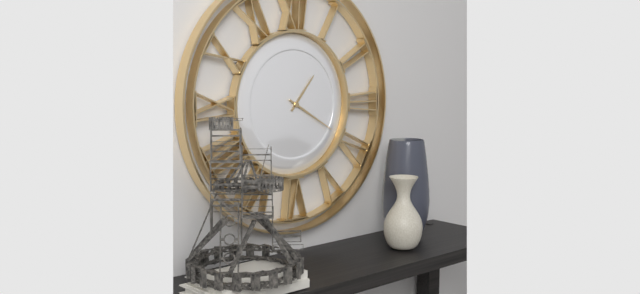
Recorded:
1.20
